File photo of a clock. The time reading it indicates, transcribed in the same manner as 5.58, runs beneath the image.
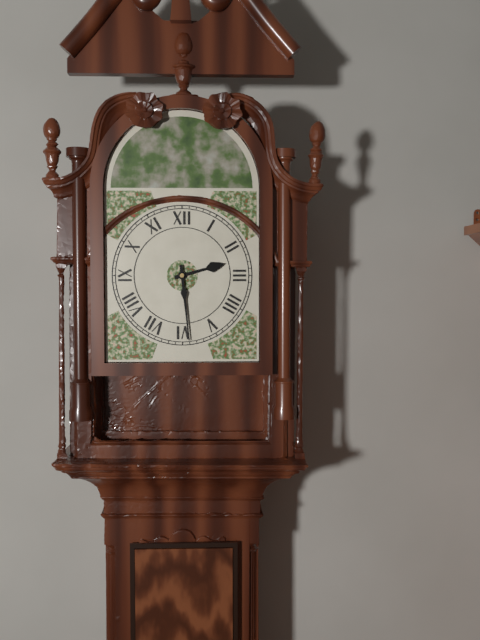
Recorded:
2.29
